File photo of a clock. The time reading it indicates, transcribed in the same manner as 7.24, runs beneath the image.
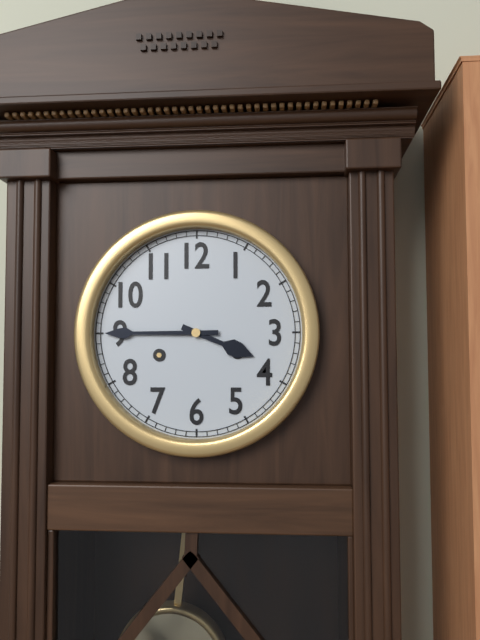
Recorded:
3.45
